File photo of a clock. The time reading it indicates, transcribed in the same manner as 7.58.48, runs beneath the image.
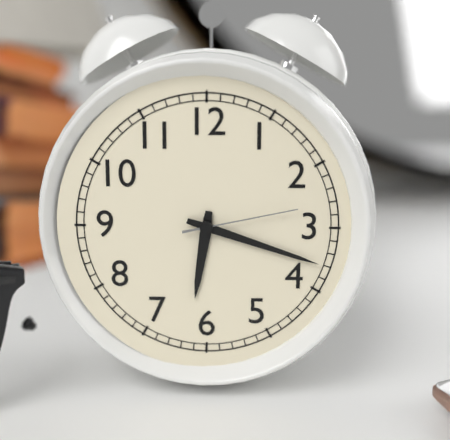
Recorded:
6.18.13
